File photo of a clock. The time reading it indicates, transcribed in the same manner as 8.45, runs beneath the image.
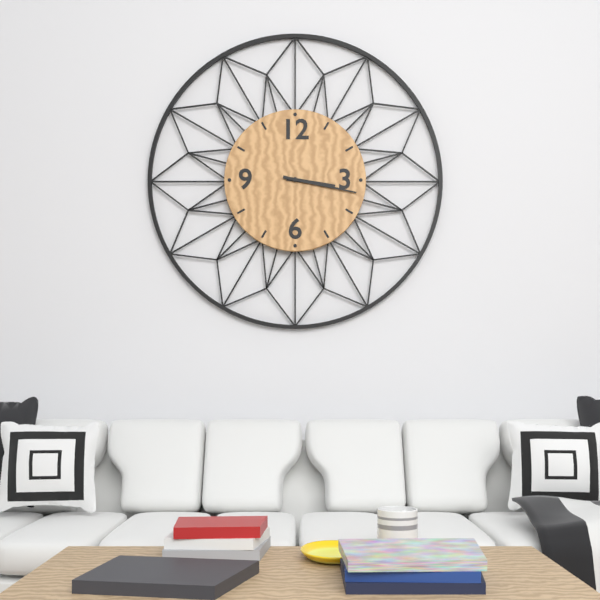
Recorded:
3.17
